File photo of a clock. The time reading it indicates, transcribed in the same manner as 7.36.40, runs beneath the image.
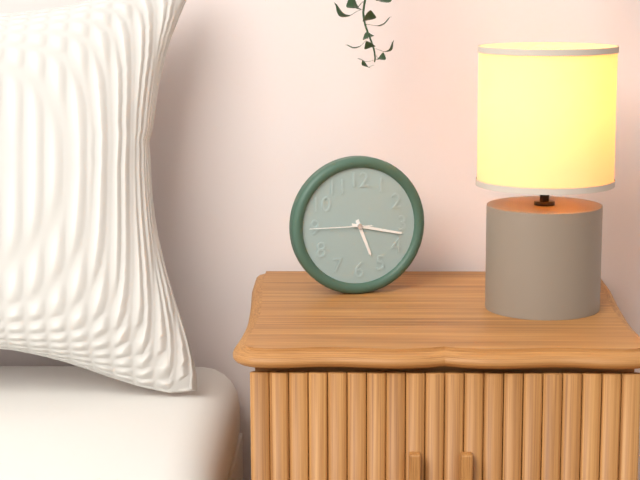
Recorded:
5.17.45
